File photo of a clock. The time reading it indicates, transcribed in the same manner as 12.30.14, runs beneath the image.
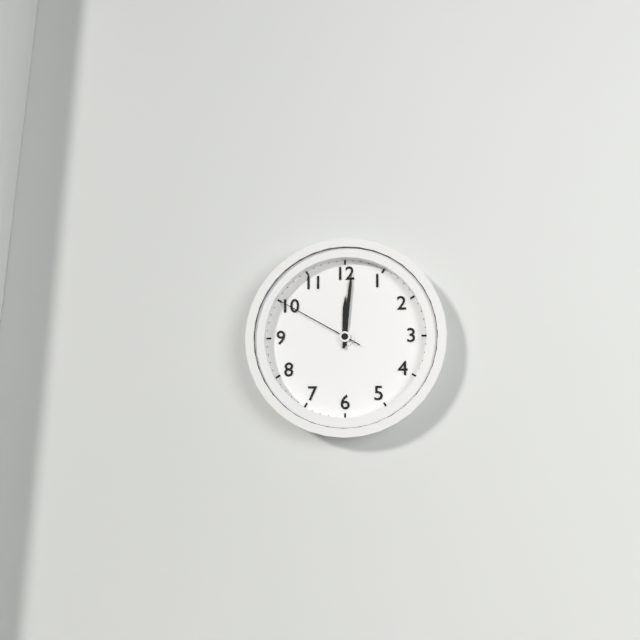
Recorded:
12.01.50
